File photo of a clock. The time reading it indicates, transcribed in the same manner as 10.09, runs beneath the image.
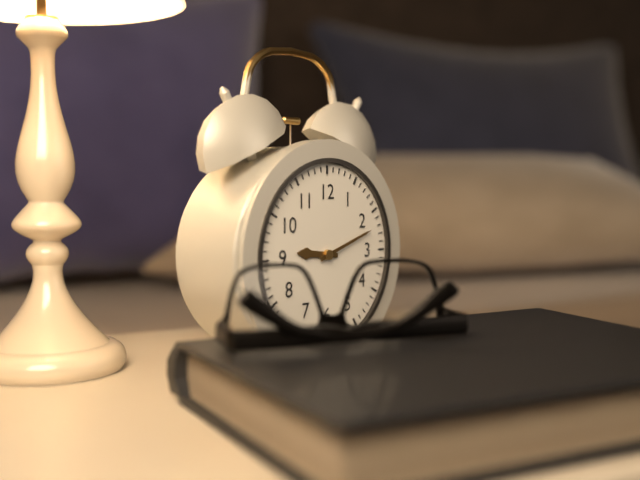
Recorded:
9.12
